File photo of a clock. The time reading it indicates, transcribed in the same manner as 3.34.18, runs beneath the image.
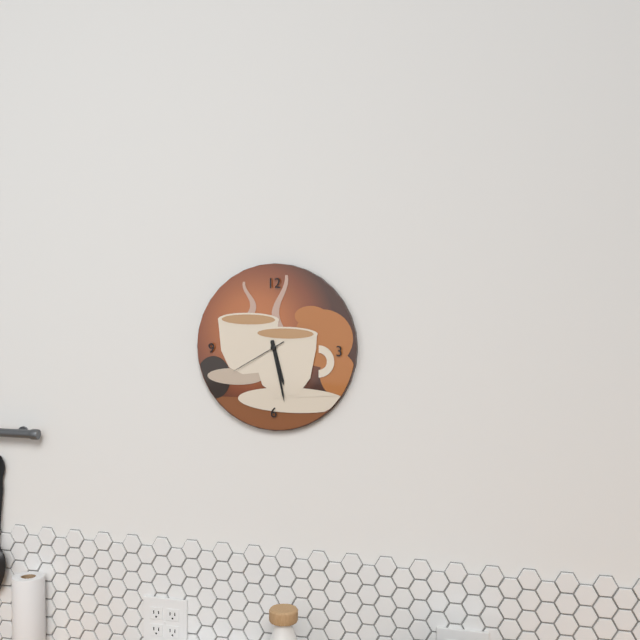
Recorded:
5.28.40
